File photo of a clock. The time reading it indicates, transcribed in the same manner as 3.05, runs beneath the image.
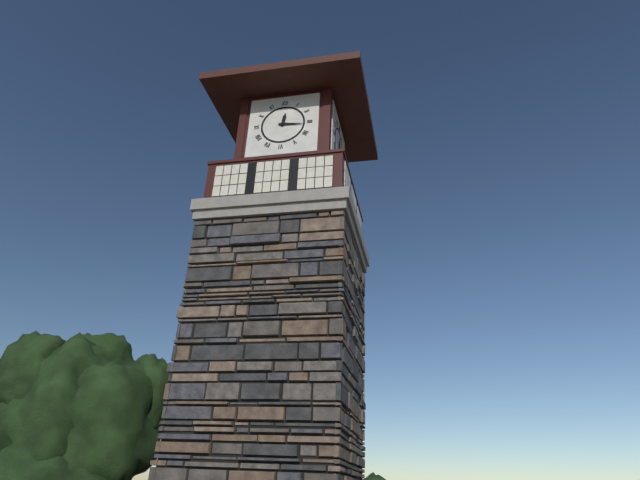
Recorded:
12.16
